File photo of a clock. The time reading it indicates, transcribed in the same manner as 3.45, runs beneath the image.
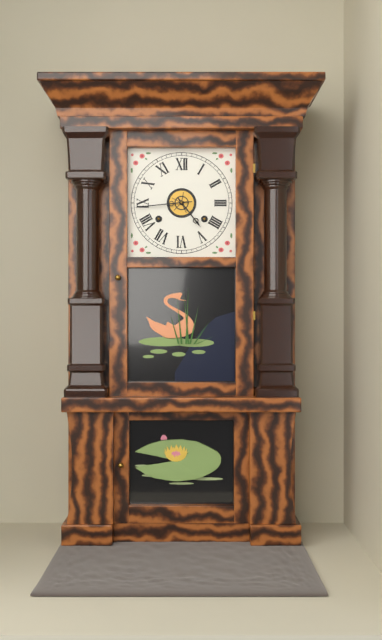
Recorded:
4.44
